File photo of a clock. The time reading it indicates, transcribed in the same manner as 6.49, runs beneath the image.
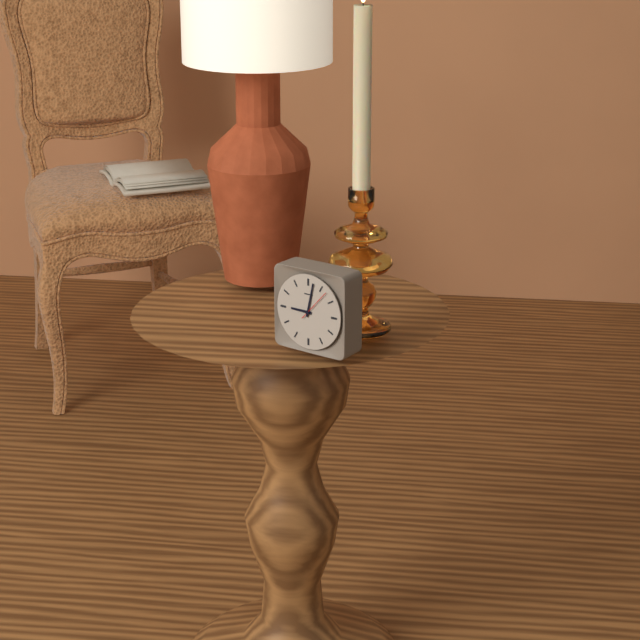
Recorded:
9.02
